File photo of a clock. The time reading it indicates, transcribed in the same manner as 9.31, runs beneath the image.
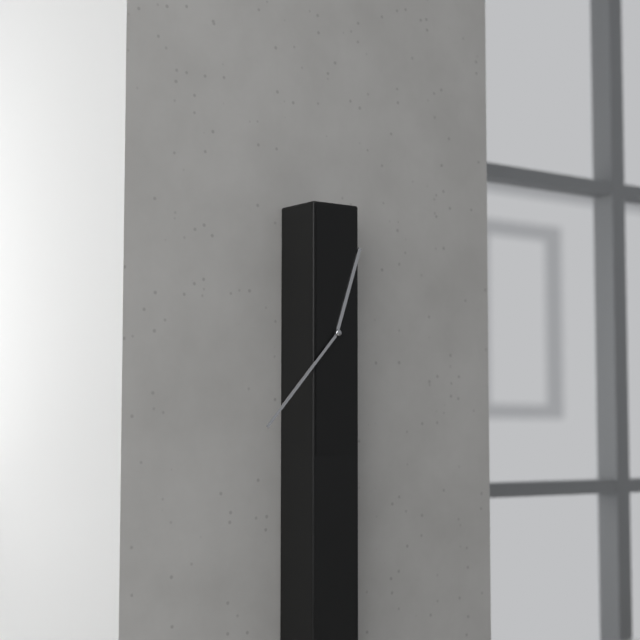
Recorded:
12.37
